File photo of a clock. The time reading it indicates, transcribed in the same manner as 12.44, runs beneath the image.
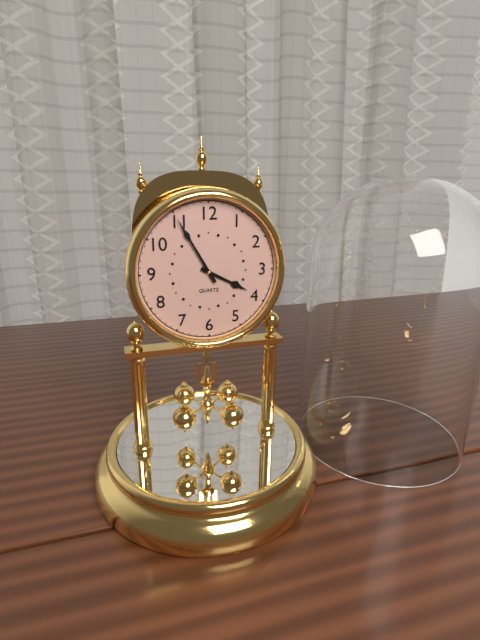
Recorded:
3.55
